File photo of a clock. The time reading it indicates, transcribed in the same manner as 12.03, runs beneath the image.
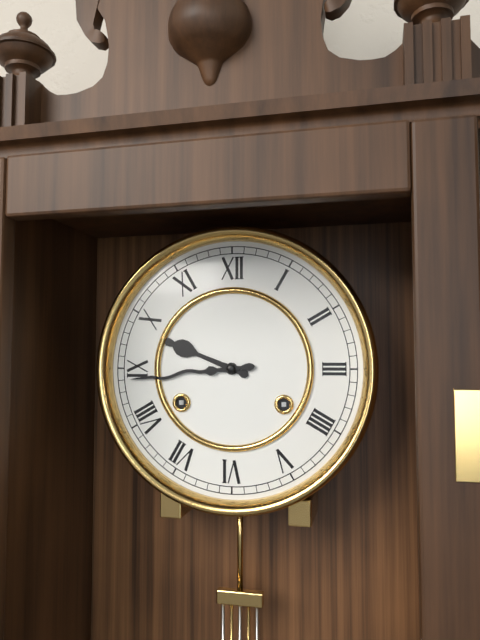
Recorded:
9.44
